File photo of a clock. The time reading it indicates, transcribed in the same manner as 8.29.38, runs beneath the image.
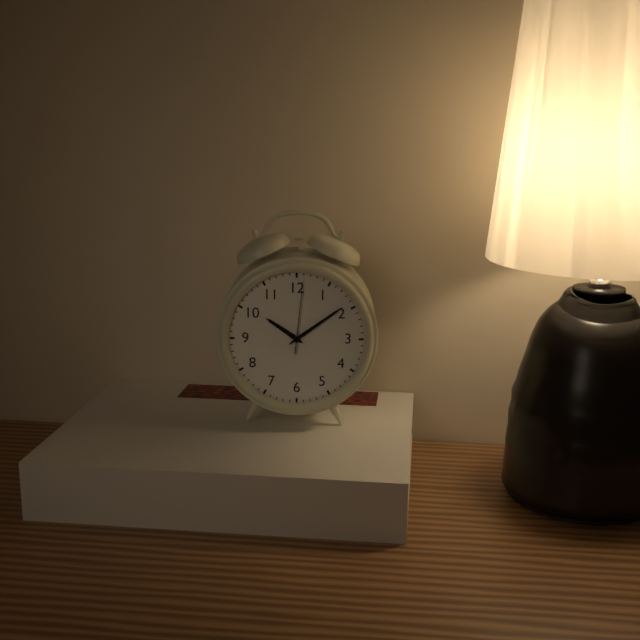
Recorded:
10.09.01
